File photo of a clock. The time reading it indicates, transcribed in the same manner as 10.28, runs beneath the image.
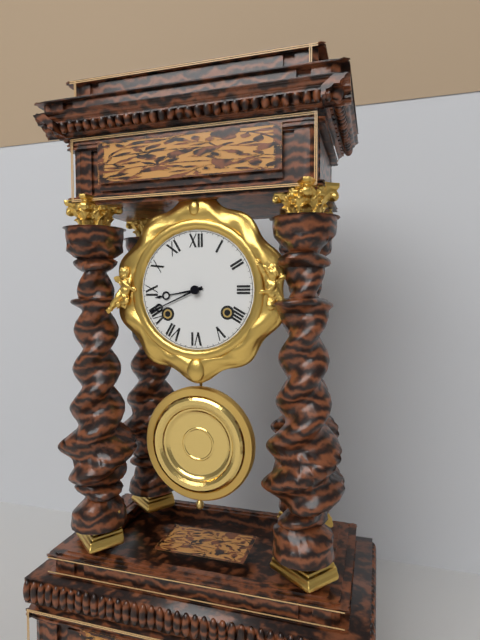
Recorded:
8.41
